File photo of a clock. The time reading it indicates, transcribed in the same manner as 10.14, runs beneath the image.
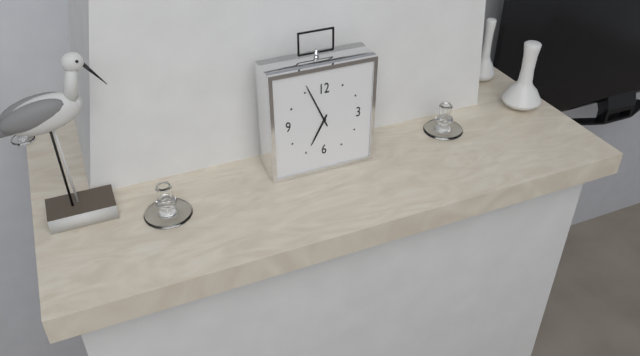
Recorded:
6.56
